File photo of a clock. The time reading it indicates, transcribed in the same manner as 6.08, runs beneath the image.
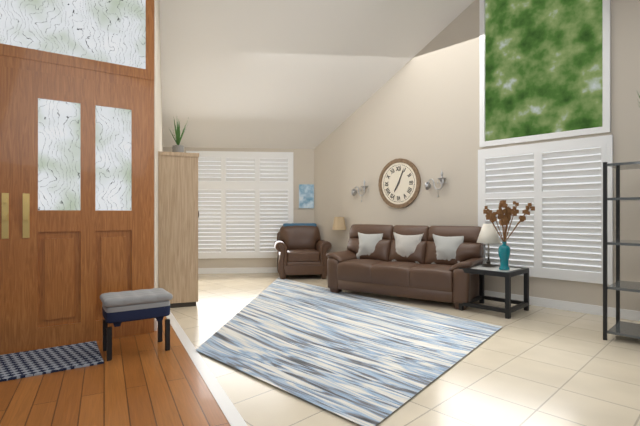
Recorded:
7.04
